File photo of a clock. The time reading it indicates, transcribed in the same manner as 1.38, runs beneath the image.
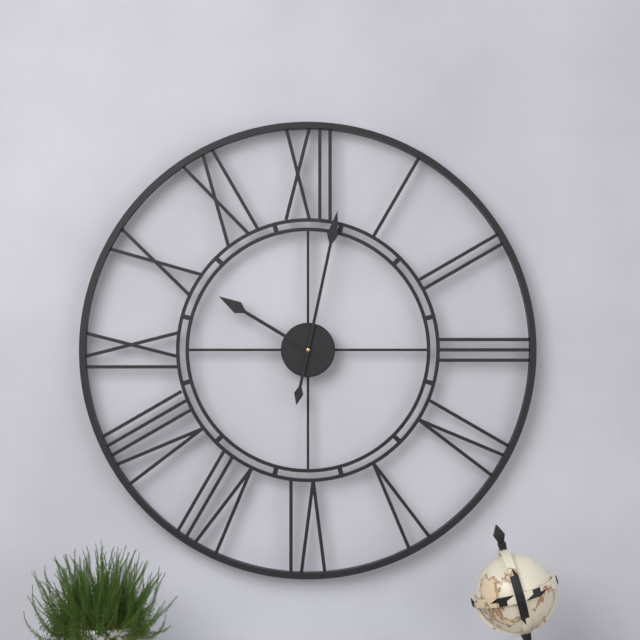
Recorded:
10.02
